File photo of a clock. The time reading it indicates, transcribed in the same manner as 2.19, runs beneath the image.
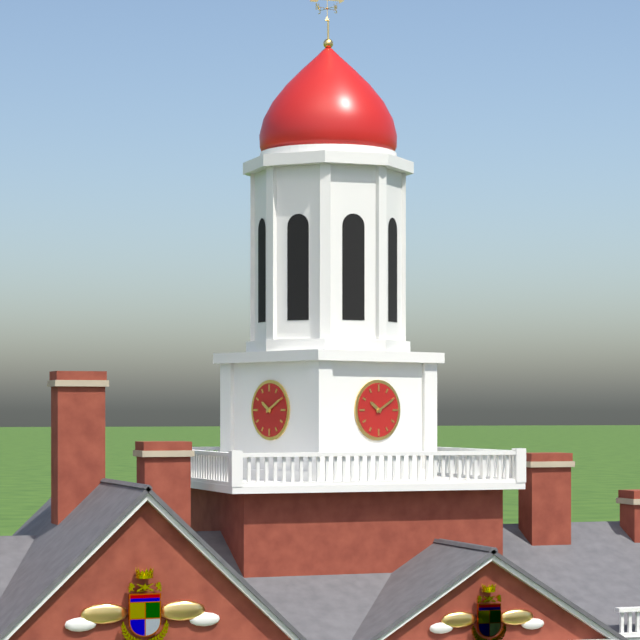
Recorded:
10.10
